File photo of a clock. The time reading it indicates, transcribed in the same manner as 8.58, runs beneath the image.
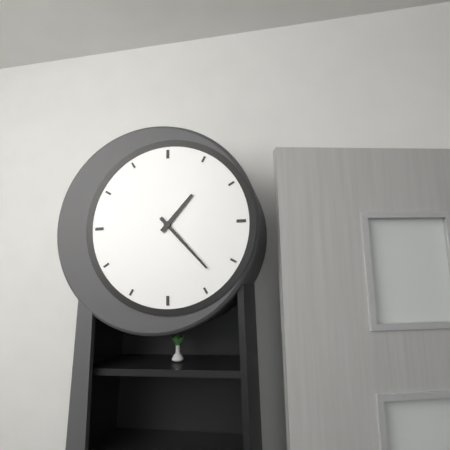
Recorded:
1.23
